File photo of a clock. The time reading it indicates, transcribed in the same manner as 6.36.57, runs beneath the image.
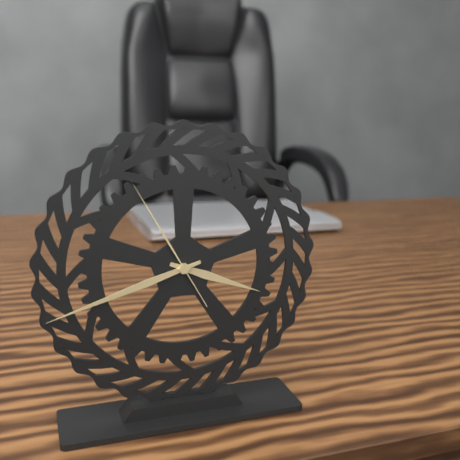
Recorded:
3.42.55
